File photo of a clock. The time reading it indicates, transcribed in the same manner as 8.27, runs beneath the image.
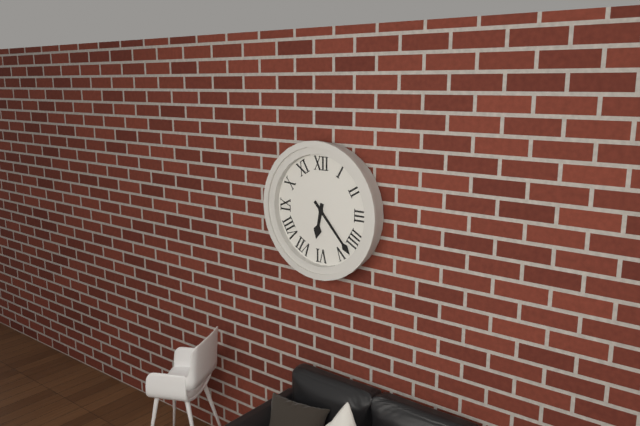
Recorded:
6.23
